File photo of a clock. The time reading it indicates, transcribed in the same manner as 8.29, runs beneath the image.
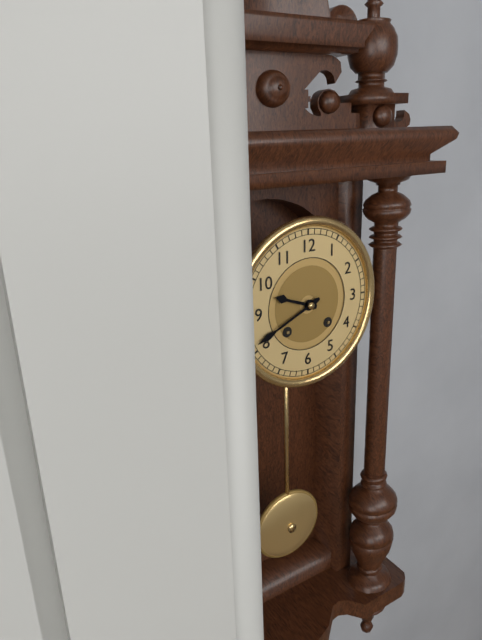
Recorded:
9.41
